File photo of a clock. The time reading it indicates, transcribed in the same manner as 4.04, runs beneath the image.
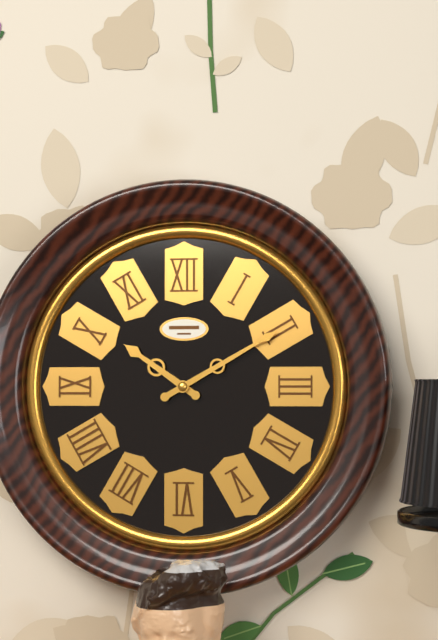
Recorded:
10.10
